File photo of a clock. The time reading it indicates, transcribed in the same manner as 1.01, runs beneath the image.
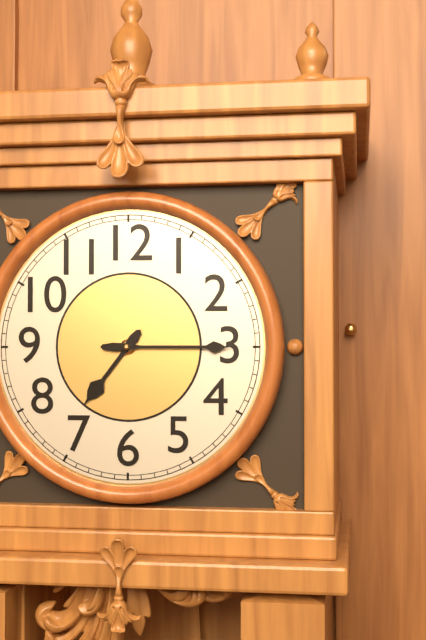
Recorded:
7.15
